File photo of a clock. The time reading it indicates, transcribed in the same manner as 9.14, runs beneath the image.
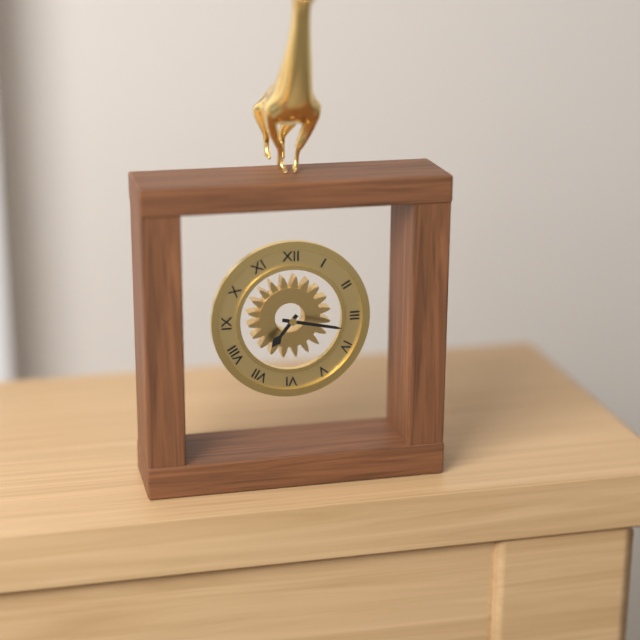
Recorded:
7.17
